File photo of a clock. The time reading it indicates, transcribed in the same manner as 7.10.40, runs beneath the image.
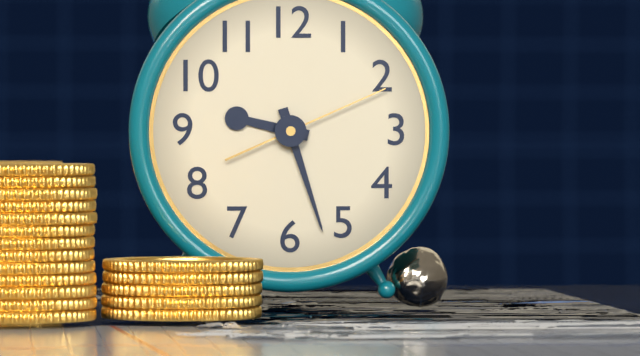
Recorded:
9.27.11
